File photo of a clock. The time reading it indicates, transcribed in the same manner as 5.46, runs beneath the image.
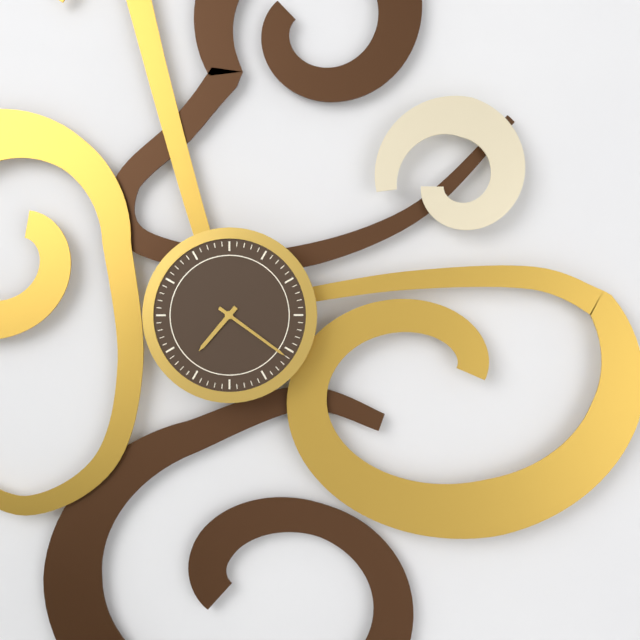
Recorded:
7.21
